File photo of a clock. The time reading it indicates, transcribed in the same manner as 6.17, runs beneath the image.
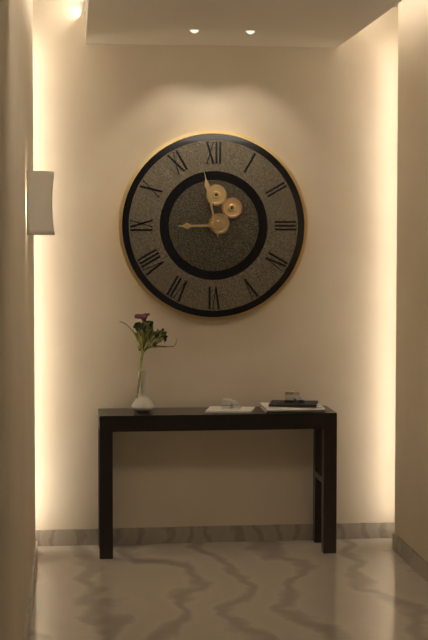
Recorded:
8.58
